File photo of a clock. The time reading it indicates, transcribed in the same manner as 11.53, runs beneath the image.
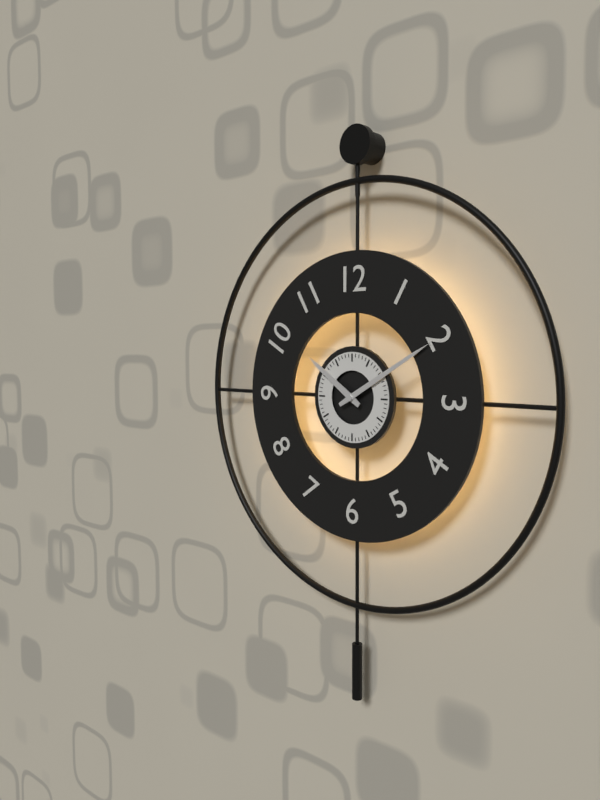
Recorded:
10.10
